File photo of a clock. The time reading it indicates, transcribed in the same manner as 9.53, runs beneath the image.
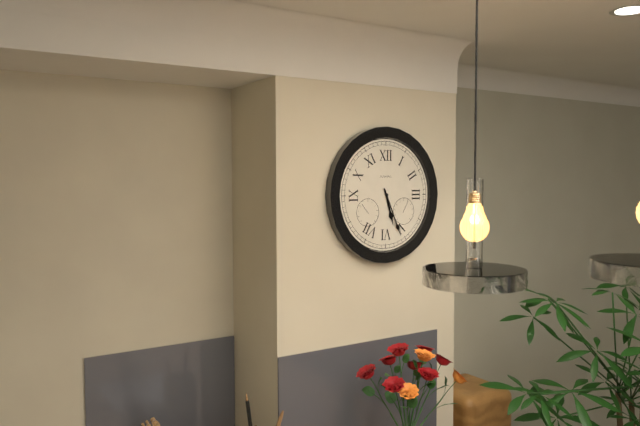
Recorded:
5.26
